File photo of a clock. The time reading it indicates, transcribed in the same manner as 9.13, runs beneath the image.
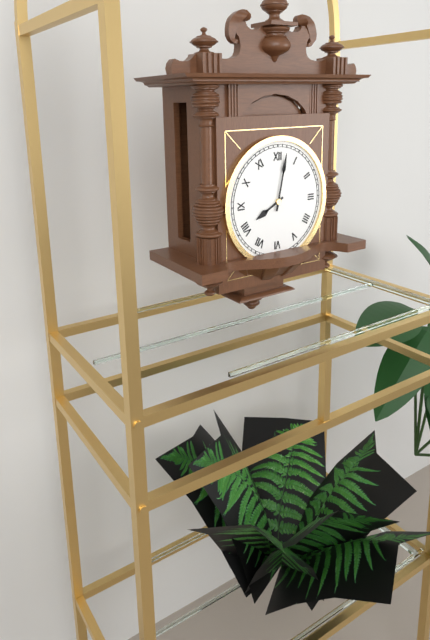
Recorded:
8.02
